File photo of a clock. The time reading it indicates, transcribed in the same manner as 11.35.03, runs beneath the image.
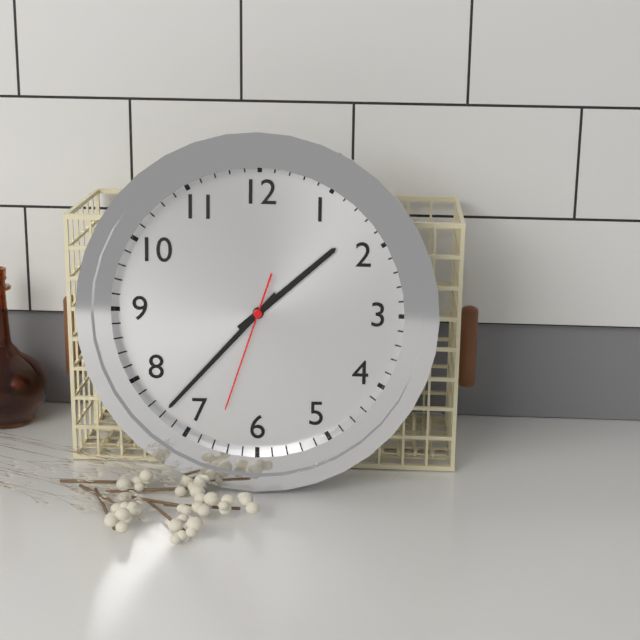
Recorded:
1.37.33
